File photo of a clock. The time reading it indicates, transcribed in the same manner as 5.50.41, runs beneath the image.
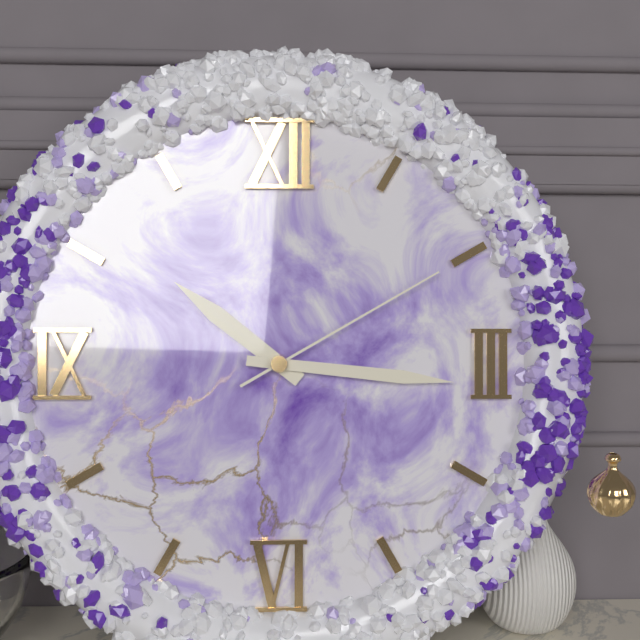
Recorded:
10.16.10
